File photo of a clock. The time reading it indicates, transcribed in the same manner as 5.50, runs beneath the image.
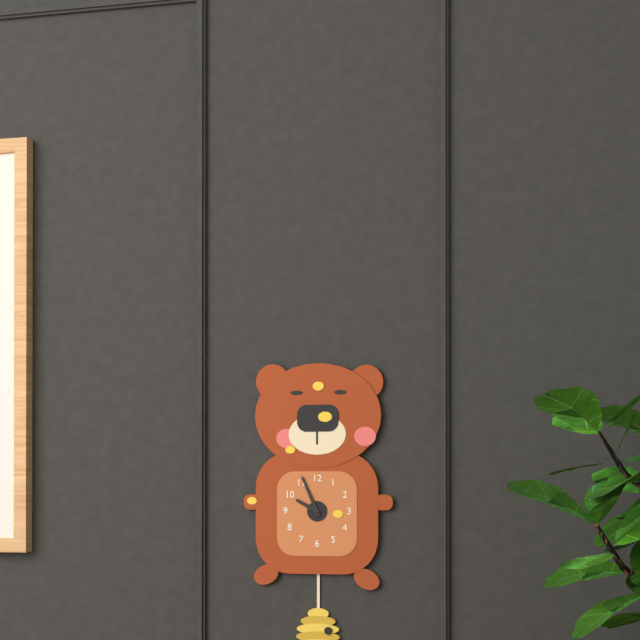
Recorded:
9.56
